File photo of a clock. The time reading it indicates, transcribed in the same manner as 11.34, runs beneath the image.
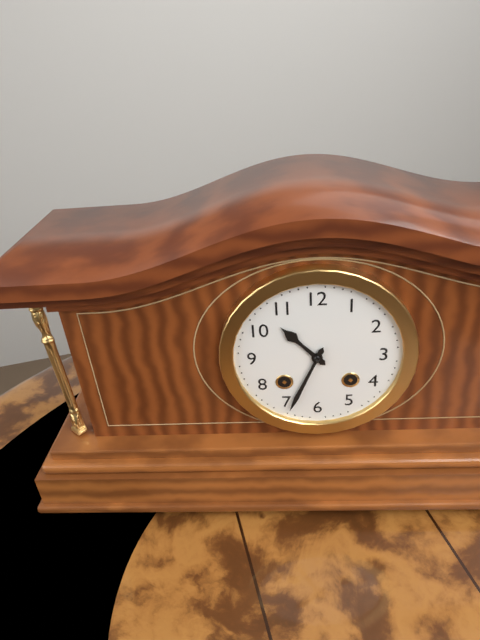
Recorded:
10.34
